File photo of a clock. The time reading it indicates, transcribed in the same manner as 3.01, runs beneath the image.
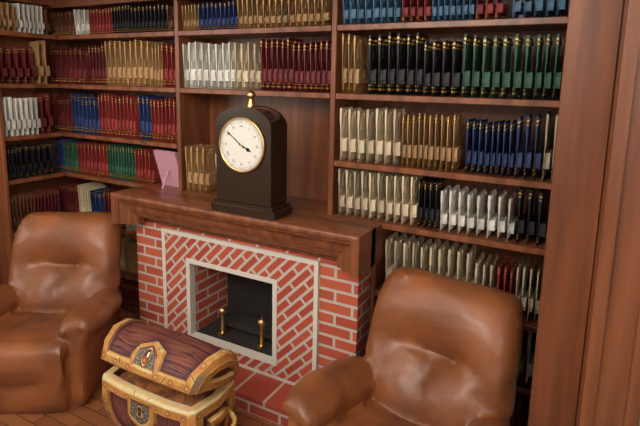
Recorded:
3.51
